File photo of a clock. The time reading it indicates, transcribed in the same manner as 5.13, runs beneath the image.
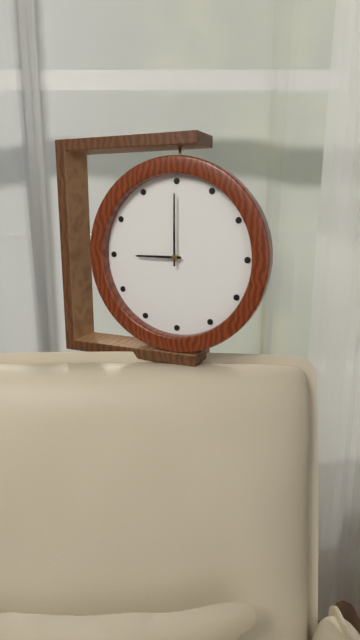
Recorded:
9.00
